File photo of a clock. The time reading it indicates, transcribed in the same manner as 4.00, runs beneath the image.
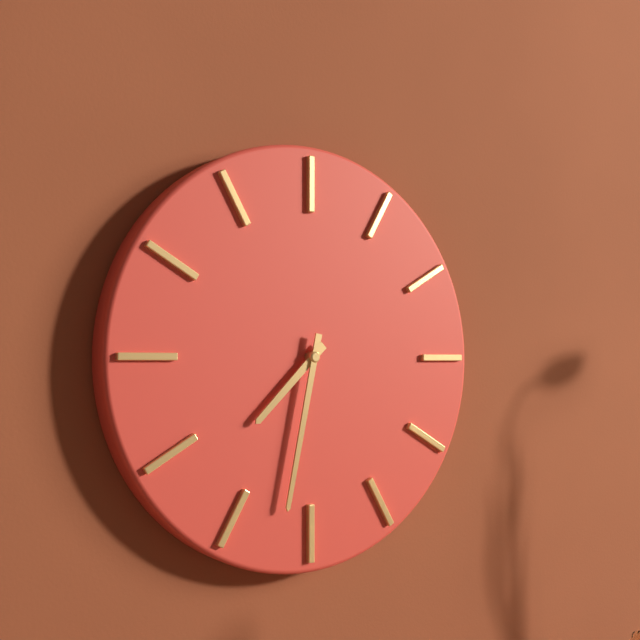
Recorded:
7.32
